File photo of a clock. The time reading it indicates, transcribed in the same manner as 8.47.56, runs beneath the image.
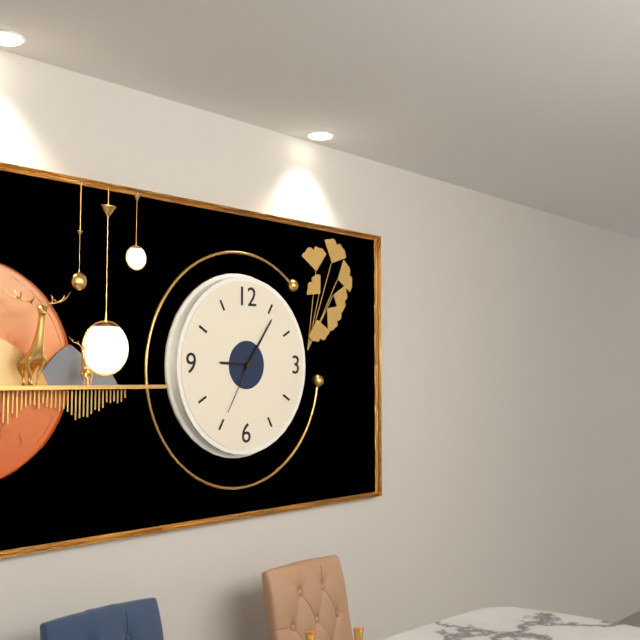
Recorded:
9.06.35
